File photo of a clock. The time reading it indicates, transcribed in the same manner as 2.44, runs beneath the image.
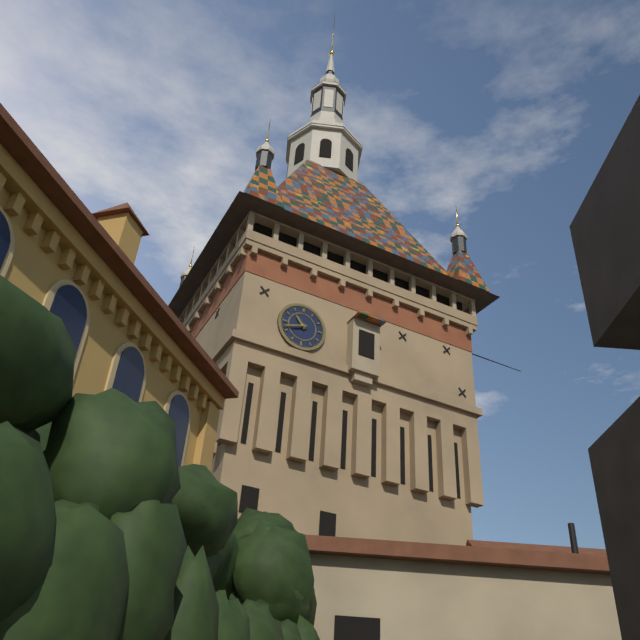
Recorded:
10.42
